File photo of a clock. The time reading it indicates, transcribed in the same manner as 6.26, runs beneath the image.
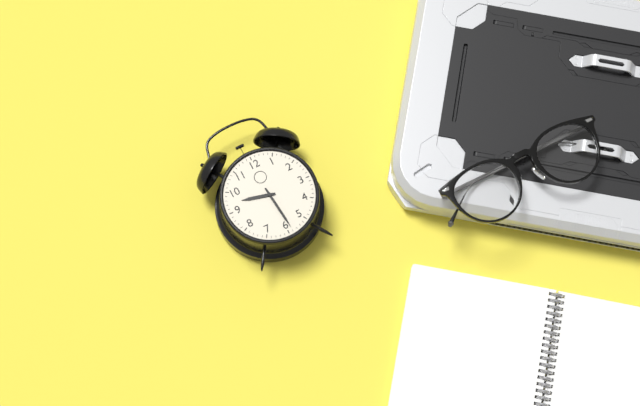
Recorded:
9.29
